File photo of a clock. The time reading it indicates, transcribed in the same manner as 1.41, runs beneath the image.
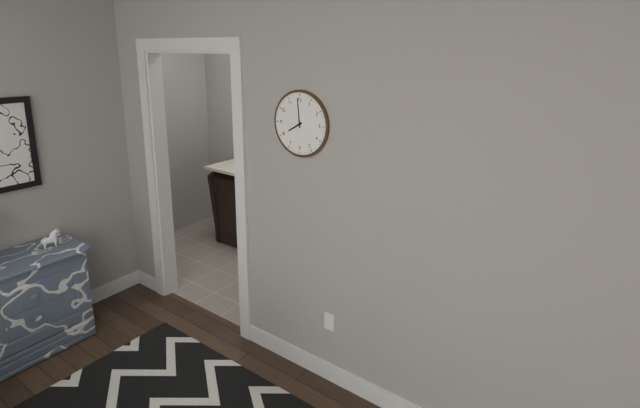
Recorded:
7.59
